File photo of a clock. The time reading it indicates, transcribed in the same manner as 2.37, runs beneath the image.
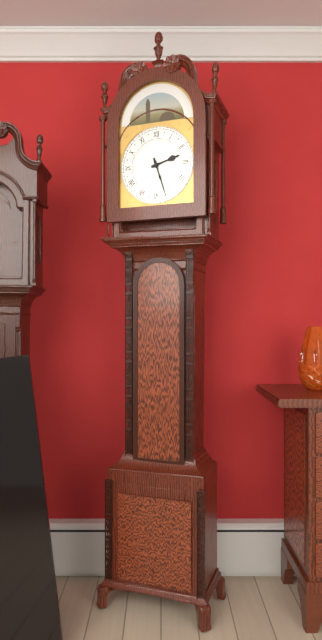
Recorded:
2.27
